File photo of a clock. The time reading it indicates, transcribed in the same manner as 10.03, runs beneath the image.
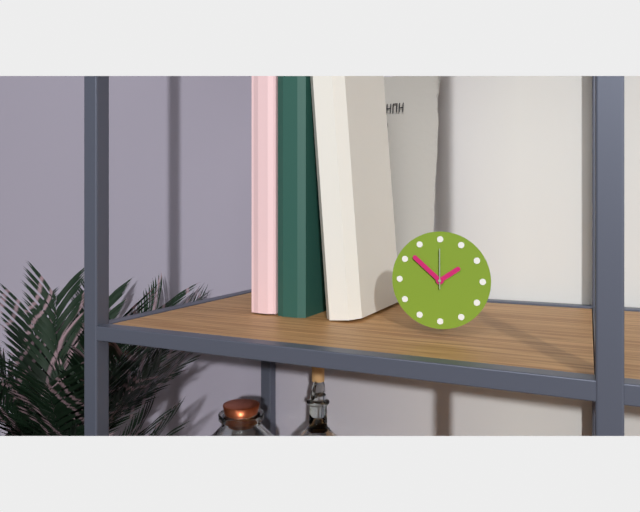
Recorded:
1.52
